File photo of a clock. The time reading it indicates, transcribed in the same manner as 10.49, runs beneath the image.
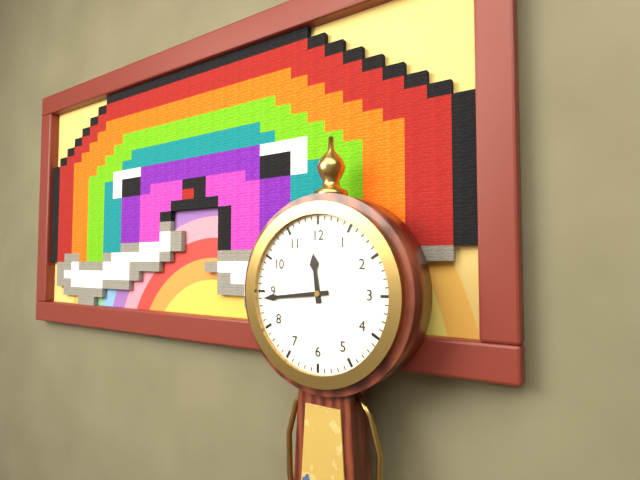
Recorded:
11.44
